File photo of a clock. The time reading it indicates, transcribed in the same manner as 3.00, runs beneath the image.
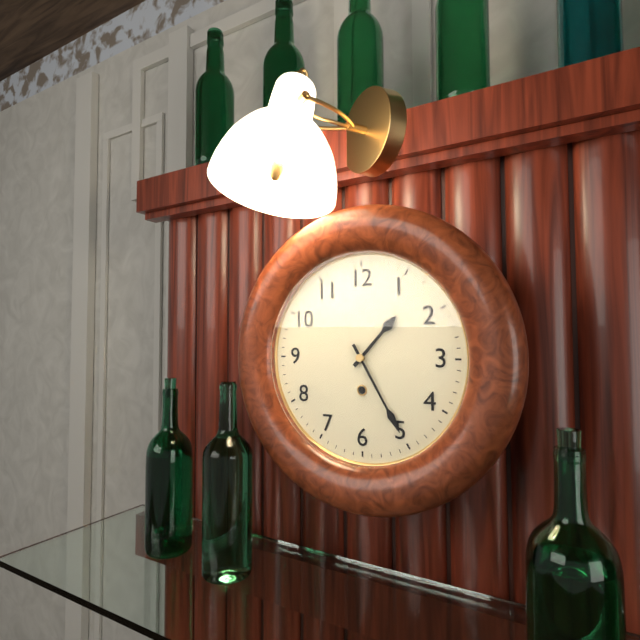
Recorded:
1.25
